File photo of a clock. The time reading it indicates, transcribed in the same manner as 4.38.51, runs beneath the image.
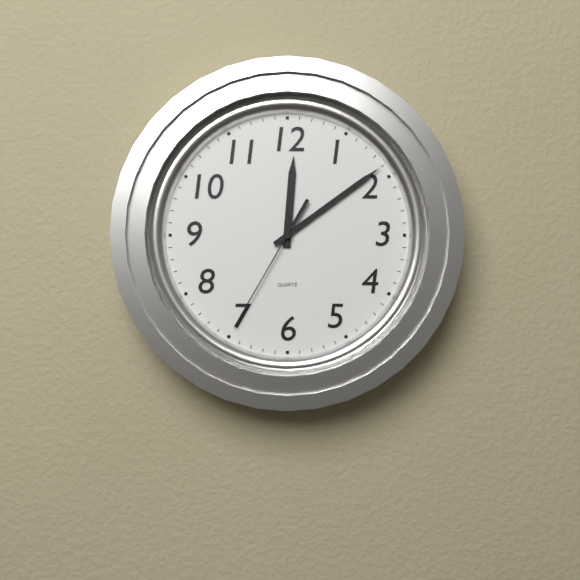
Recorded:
12.09.35
